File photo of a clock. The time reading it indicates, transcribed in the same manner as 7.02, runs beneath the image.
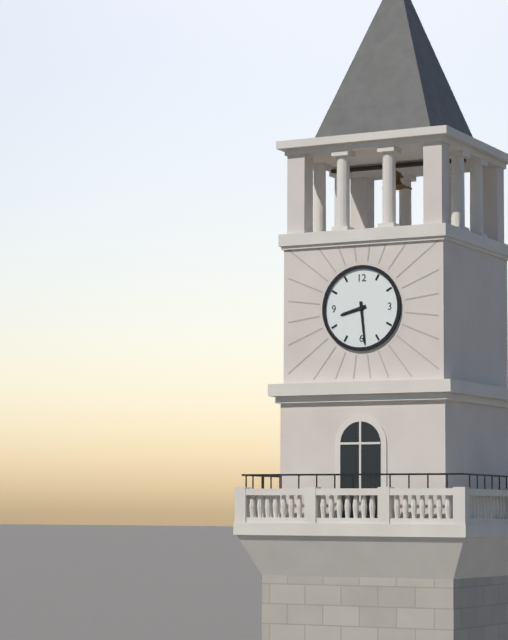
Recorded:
8.29
